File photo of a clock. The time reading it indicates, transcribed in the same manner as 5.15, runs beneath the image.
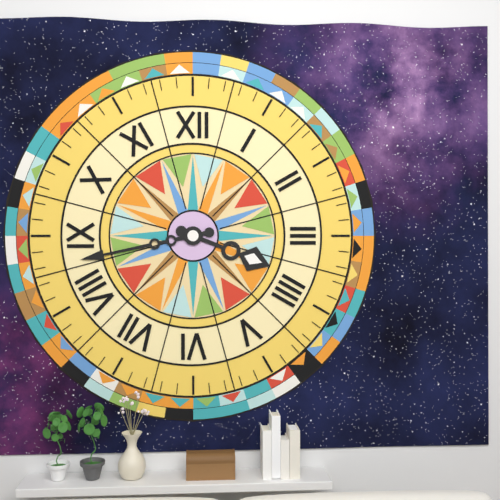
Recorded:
3.43
